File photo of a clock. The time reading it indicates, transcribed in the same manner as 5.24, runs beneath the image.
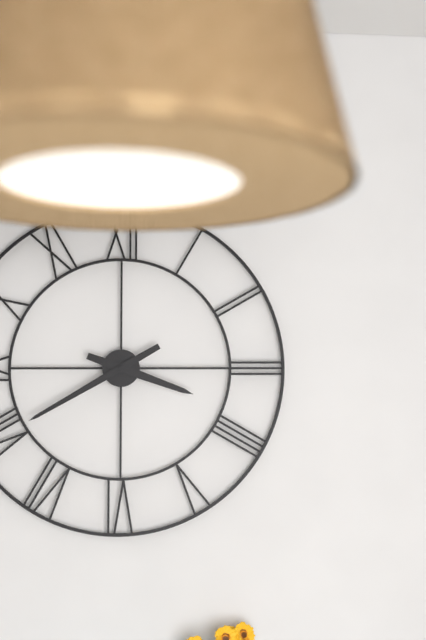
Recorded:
3.40
